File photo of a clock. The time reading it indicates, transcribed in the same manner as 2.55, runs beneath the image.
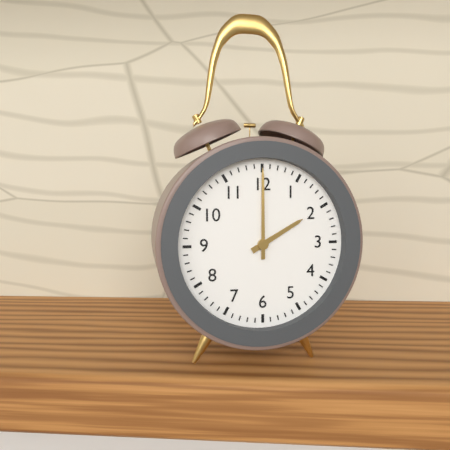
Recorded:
2.00
